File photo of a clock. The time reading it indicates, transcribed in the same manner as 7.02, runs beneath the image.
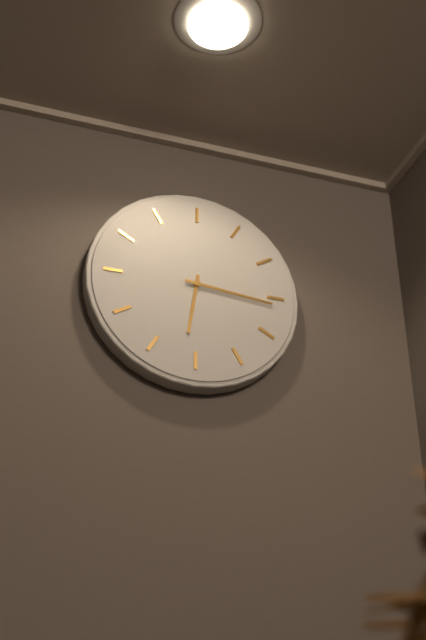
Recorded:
6.16
